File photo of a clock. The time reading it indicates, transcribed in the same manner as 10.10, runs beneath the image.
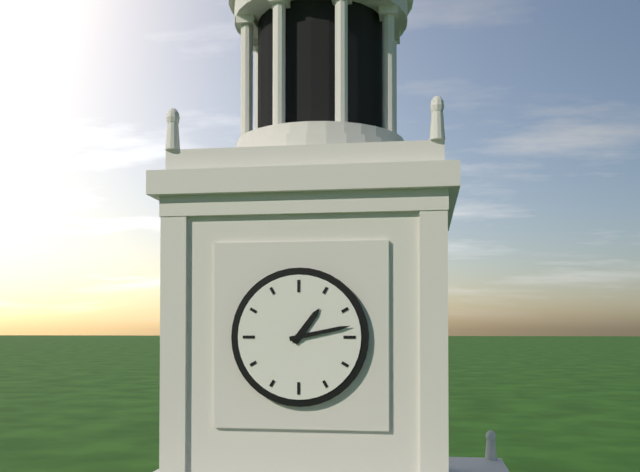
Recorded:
1.13
